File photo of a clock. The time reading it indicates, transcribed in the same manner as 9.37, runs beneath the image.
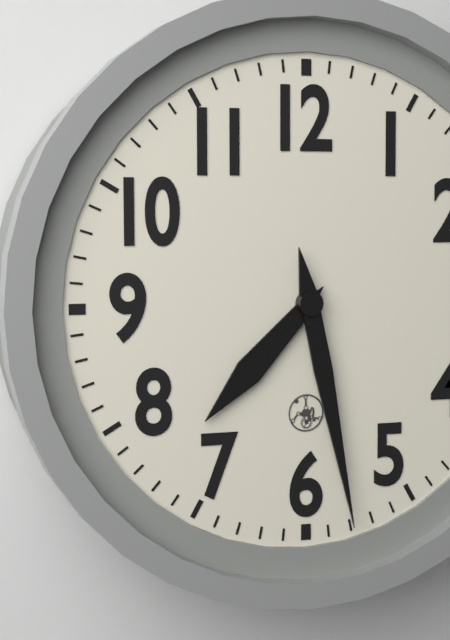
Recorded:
7.28
